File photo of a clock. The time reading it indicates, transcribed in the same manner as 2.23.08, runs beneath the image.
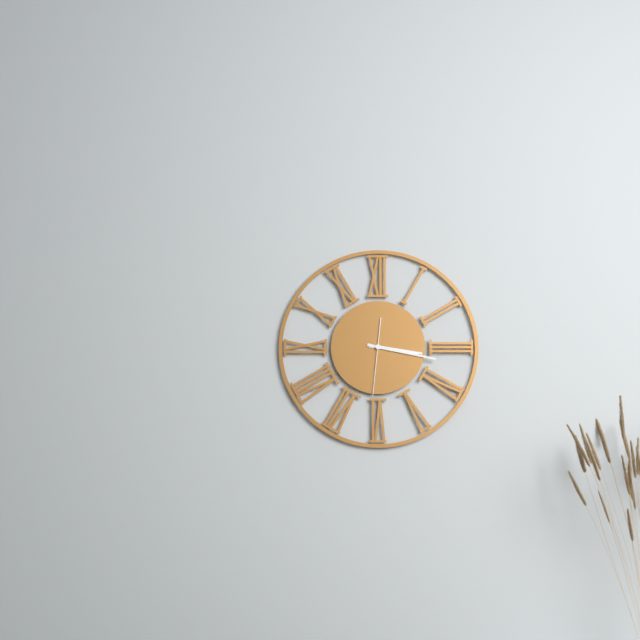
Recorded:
3.17.31
